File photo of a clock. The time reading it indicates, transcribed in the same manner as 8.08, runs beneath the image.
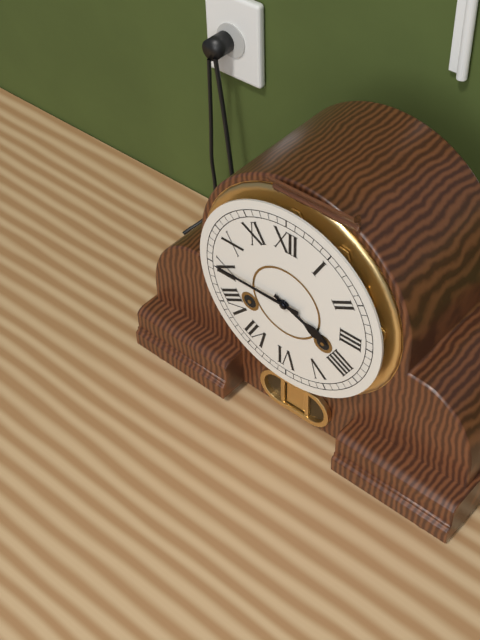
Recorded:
3.45
